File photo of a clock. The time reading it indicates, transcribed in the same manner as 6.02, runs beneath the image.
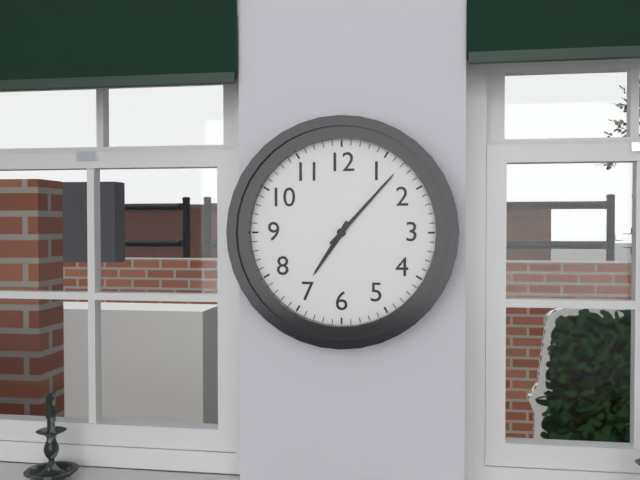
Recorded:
7.07
